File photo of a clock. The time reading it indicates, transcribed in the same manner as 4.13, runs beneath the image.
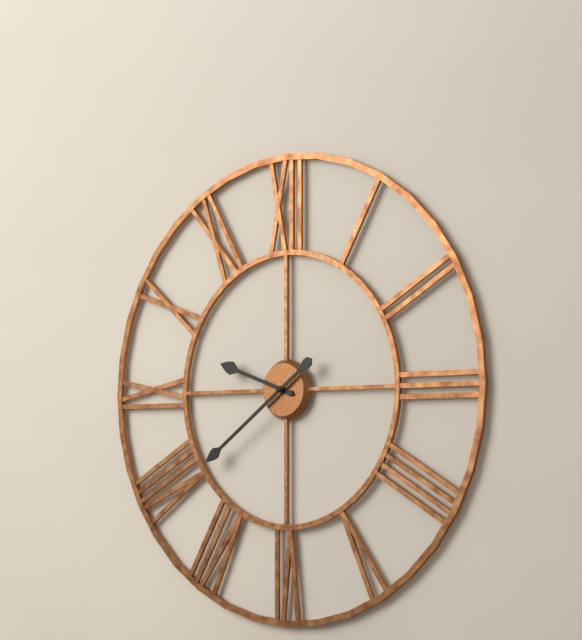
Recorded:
9.39
